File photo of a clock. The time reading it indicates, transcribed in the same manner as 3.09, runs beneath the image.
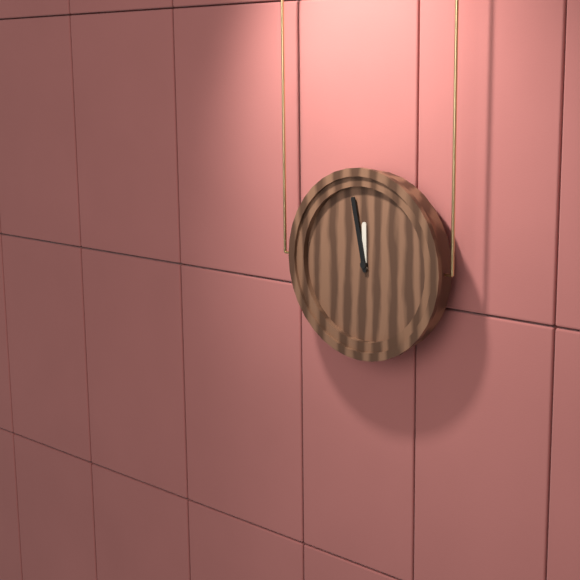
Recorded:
11.58
